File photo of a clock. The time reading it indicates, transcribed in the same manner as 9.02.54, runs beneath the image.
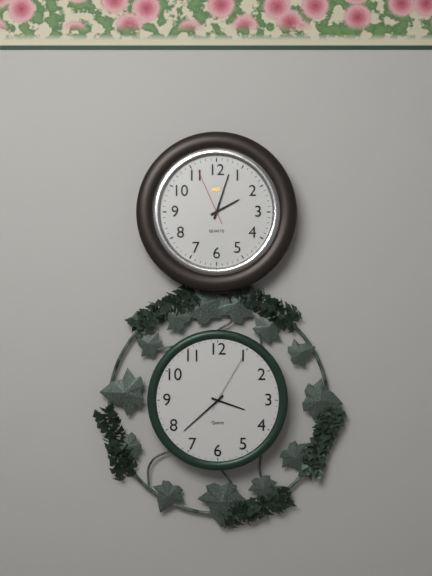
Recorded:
2.03.56
